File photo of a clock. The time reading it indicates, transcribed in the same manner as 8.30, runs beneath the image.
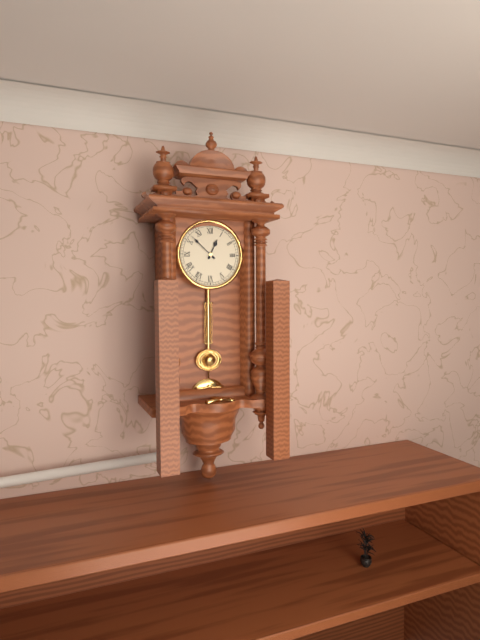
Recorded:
12.52
